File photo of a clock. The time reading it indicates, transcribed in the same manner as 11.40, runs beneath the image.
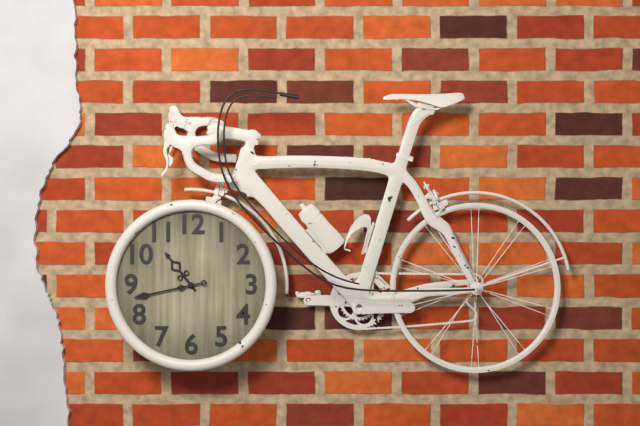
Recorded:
10.43
